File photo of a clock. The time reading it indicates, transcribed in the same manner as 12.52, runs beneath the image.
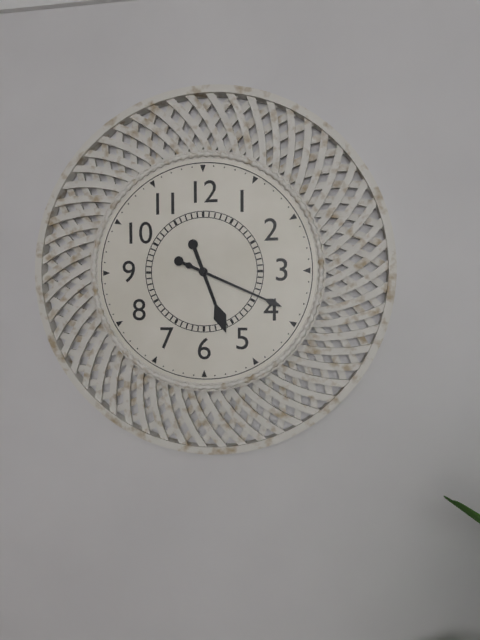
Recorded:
5.19
